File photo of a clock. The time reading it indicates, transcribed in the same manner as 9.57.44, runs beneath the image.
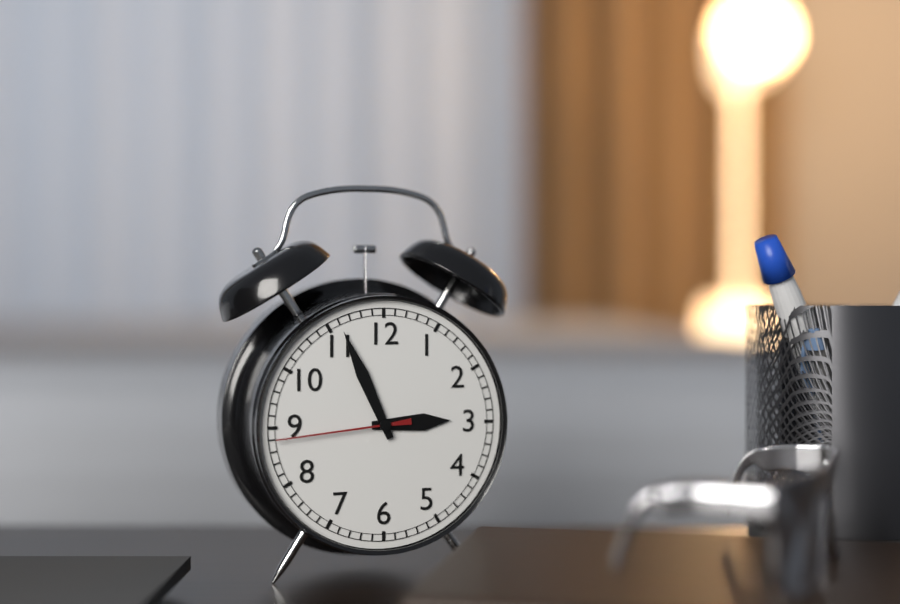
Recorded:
2.56.44
